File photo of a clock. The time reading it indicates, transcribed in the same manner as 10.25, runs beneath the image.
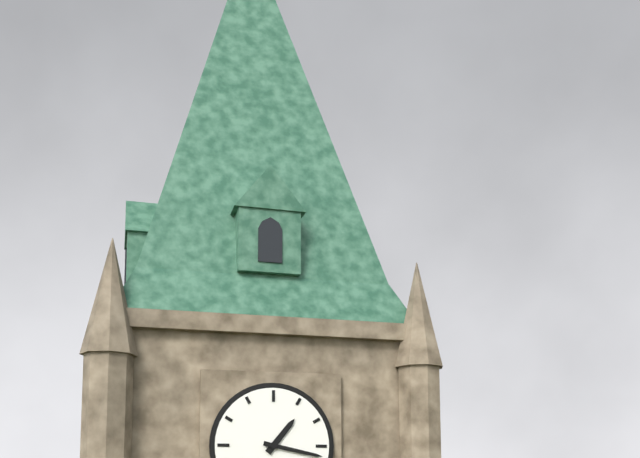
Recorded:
1.17
